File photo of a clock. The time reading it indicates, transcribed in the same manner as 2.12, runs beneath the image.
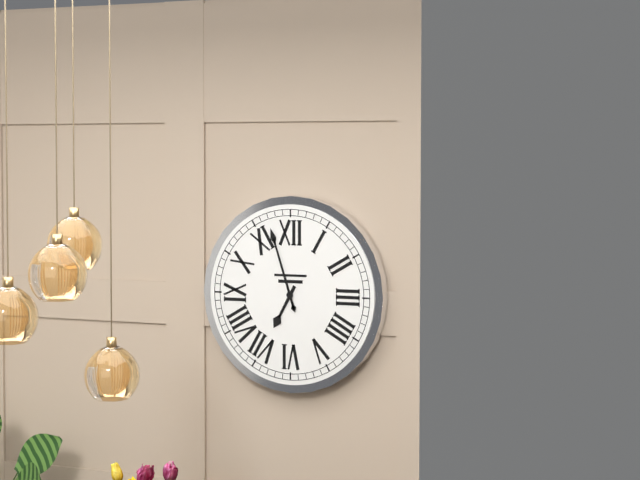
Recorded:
6.57
